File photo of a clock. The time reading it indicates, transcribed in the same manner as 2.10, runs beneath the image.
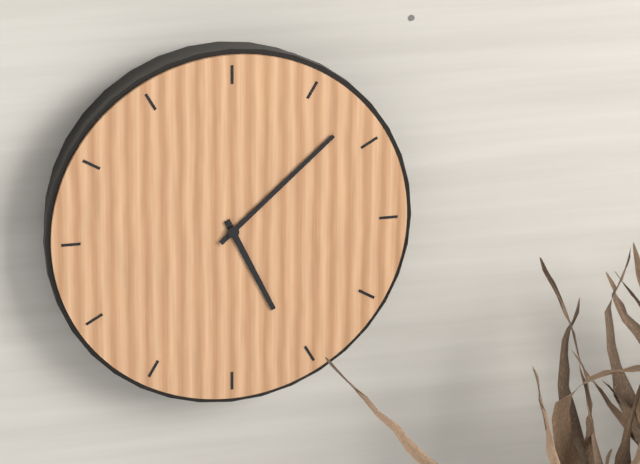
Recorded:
5.08
